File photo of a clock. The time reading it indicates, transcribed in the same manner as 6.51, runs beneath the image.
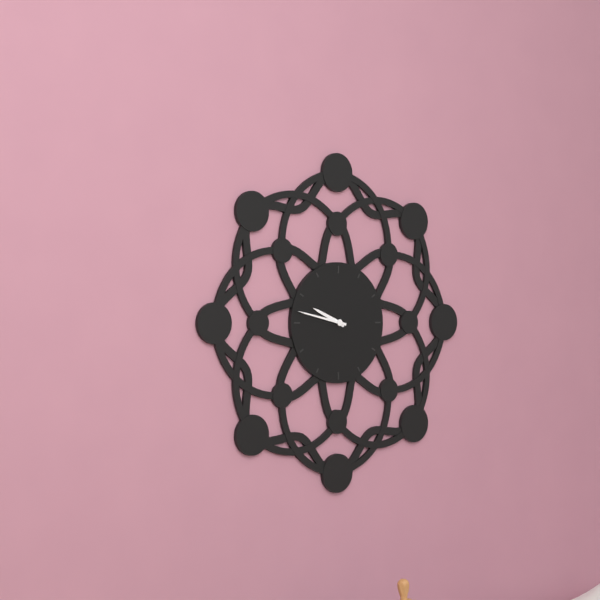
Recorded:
9.47
